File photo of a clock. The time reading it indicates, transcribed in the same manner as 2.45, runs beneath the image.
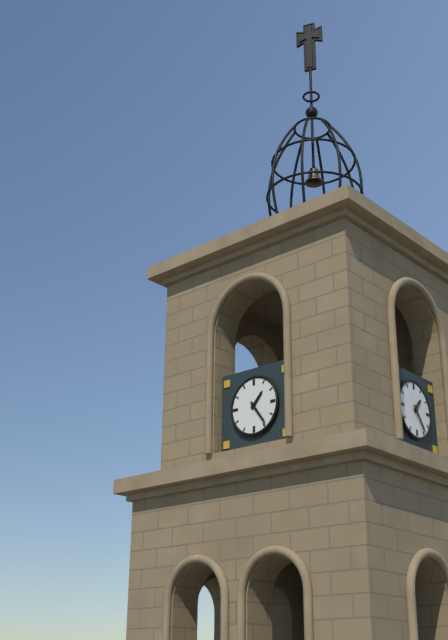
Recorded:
1.24
